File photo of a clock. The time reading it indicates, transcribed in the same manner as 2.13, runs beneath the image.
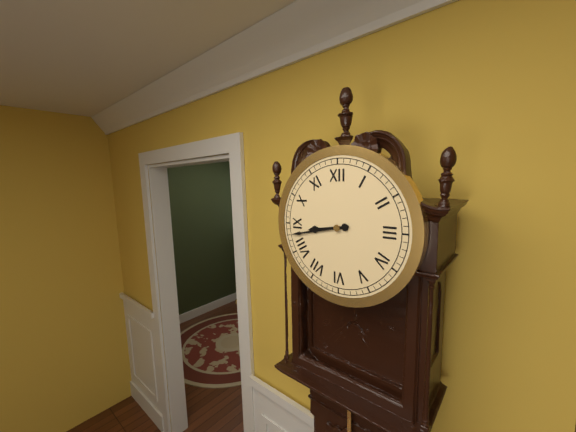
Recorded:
8.43
